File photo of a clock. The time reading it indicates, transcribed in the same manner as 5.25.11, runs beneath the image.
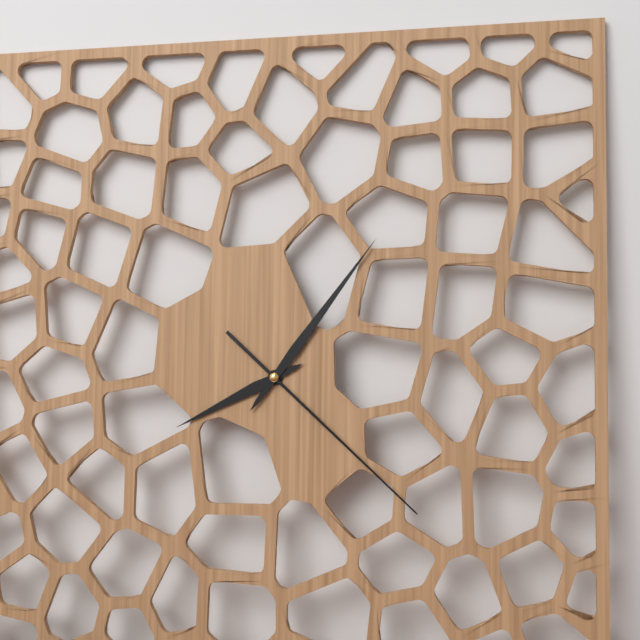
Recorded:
8.06.22
